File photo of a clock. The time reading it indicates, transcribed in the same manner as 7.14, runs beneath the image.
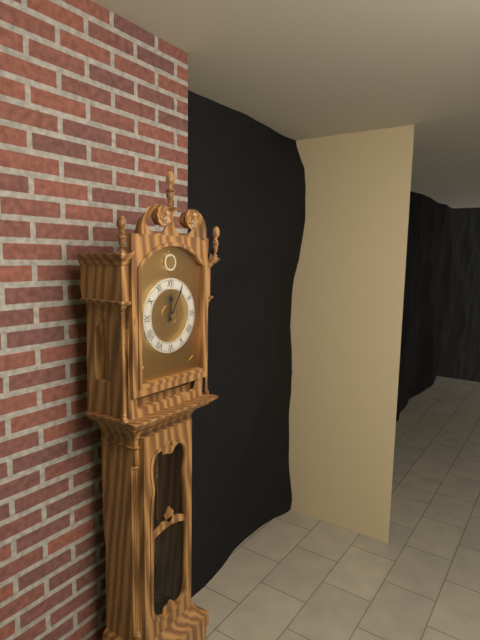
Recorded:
12.05
